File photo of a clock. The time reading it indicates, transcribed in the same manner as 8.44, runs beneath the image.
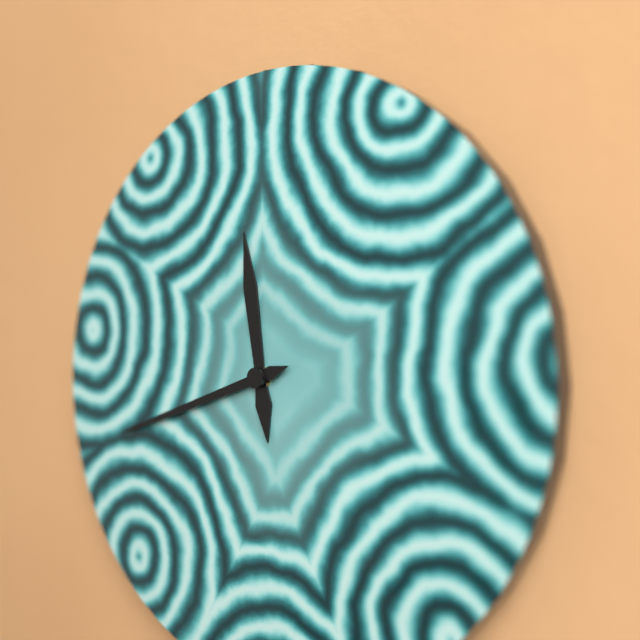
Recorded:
11.42
